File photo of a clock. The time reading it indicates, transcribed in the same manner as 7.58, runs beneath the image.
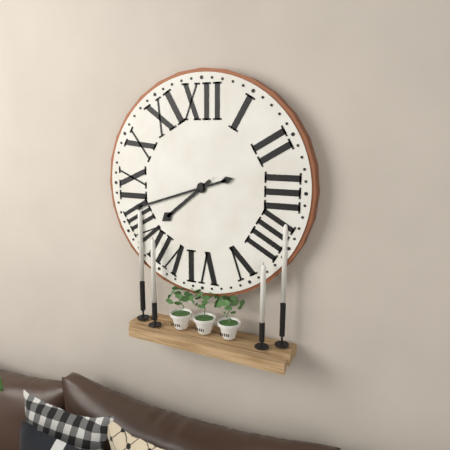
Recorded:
7.42
